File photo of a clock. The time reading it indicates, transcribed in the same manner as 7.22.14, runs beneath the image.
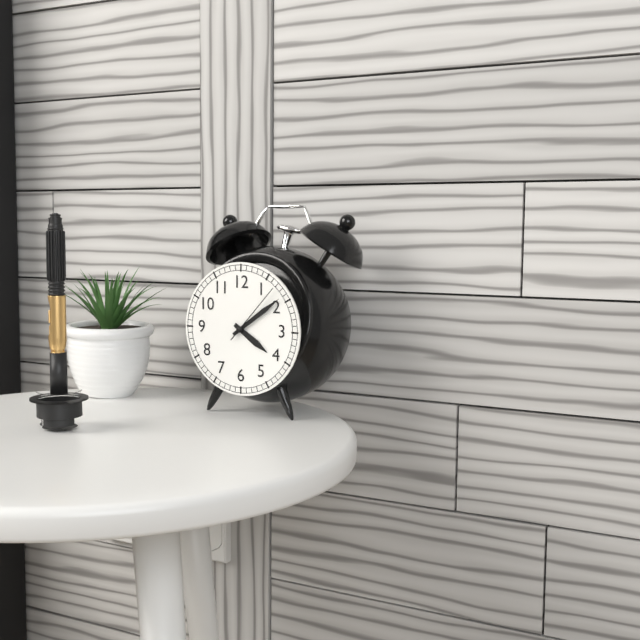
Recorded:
4.09.07
